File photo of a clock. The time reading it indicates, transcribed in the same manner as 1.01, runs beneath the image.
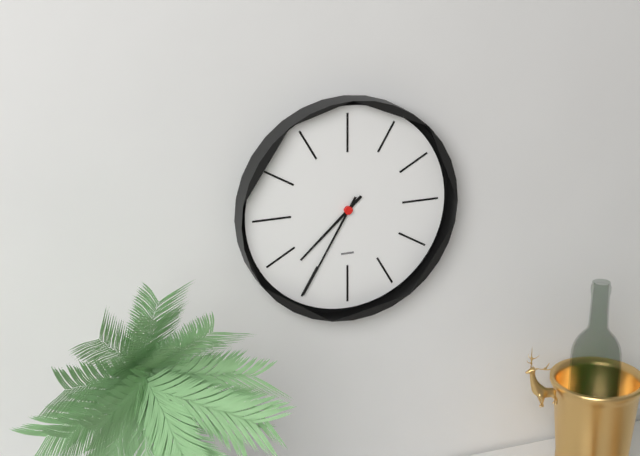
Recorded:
7.35
